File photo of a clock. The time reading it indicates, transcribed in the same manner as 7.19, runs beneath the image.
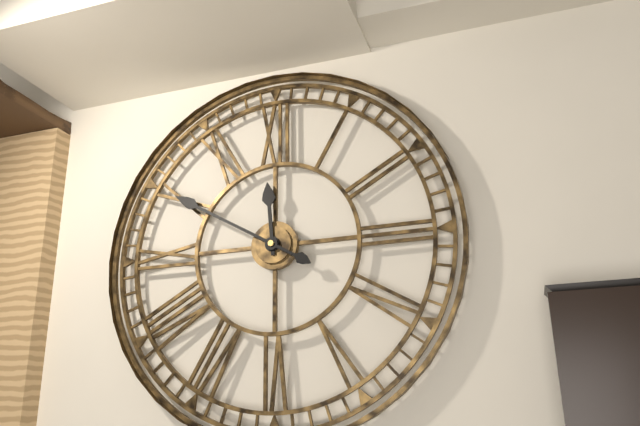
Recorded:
11.50
